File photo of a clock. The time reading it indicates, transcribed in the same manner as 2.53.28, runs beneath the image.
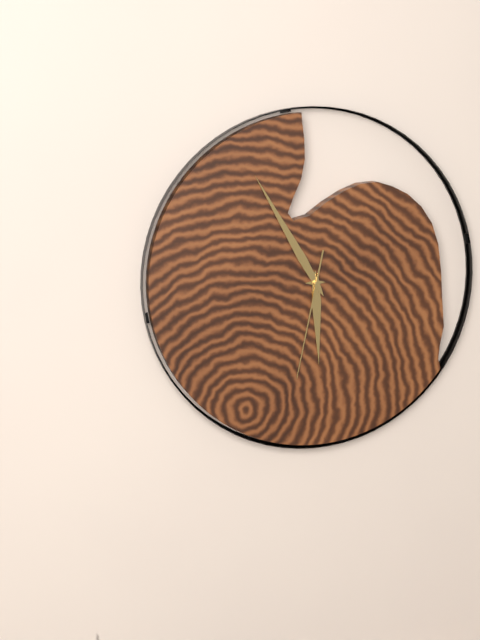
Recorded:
5.55.32
